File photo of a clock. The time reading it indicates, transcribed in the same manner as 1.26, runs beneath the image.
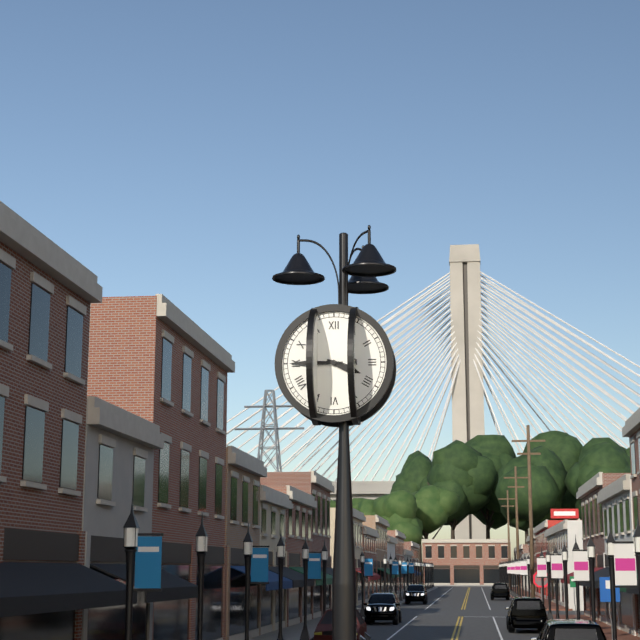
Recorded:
3.45
